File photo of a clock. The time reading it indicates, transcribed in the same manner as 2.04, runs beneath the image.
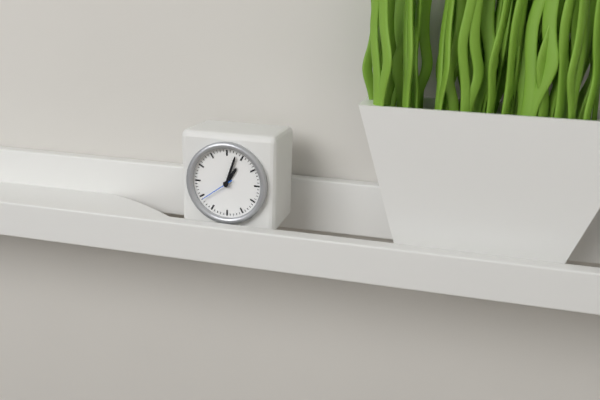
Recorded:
1.03
